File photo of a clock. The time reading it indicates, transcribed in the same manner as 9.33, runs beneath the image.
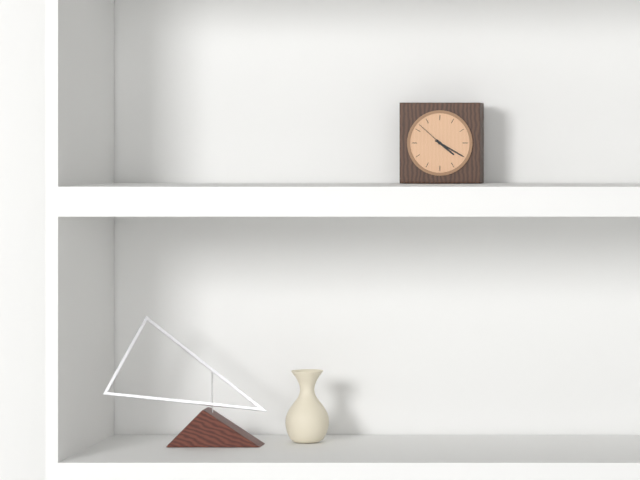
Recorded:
4.20
